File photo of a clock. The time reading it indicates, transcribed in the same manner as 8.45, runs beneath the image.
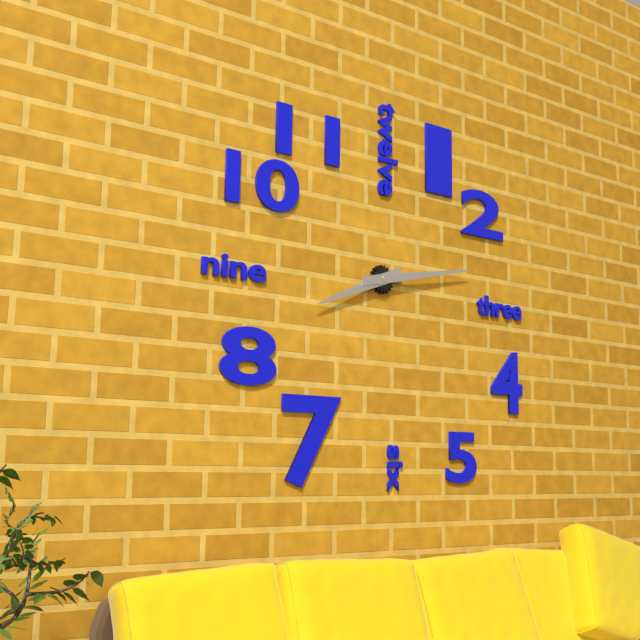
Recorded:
8.13
